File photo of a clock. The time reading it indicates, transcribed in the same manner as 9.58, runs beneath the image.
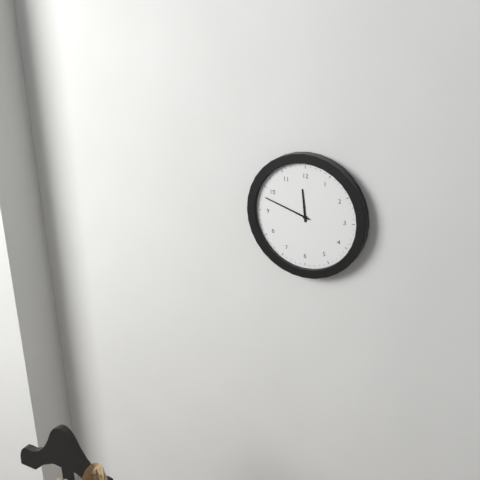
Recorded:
11.48
